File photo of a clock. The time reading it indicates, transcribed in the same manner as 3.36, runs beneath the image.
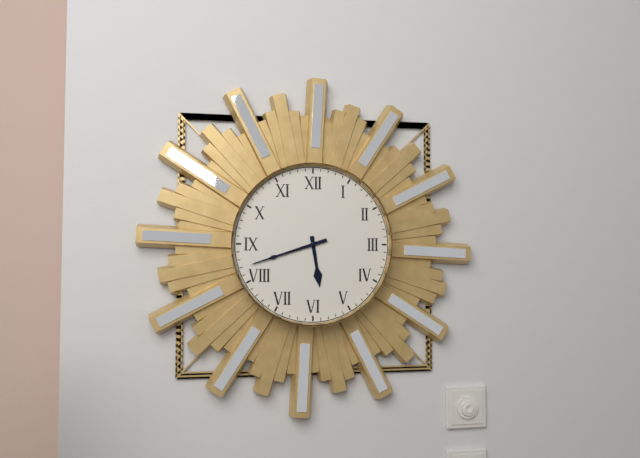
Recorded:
5.42
